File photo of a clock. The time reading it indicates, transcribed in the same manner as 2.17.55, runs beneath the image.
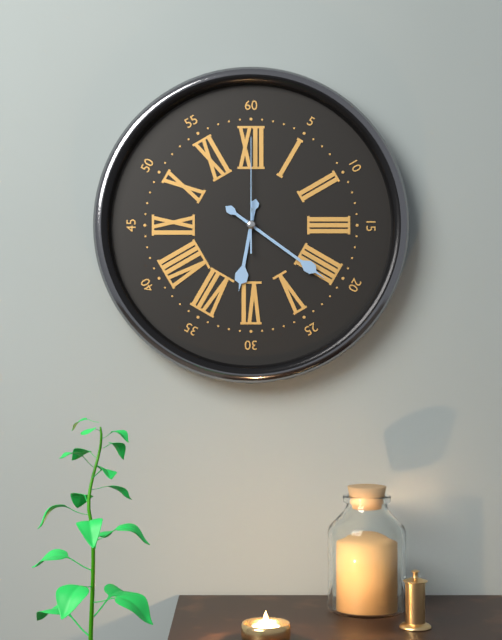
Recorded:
6.21.00
